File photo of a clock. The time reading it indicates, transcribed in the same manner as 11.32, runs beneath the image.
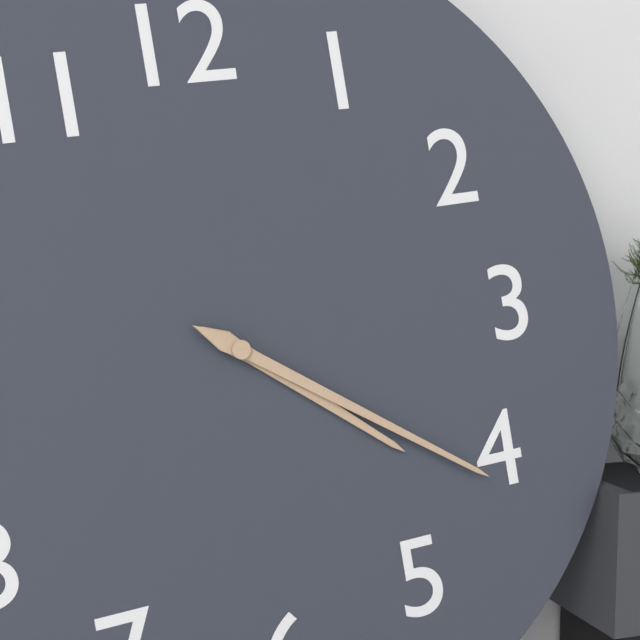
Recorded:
4.21
